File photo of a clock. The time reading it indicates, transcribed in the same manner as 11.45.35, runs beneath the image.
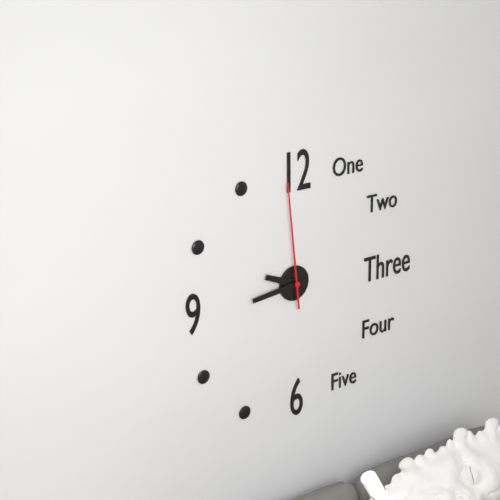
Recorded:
9.44.59
